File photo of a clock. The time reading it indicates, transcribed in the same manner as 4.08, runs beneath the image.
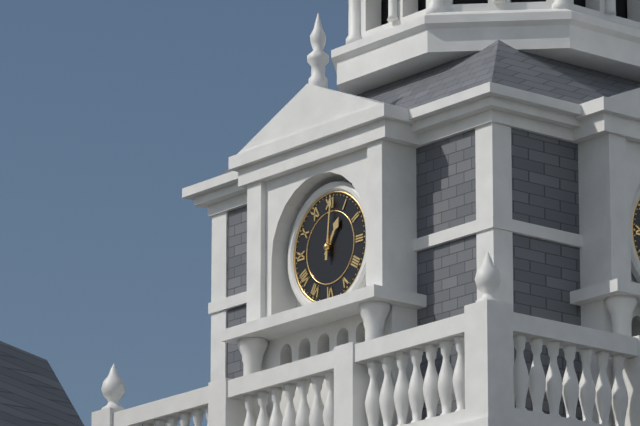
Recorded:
1.01
